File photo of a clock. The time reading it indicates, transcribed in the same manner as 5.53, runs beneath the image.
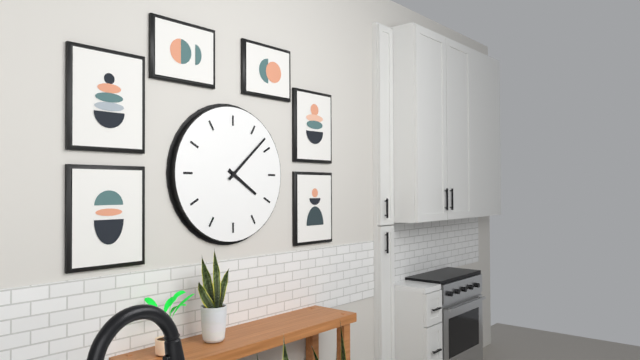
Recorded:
4.08
